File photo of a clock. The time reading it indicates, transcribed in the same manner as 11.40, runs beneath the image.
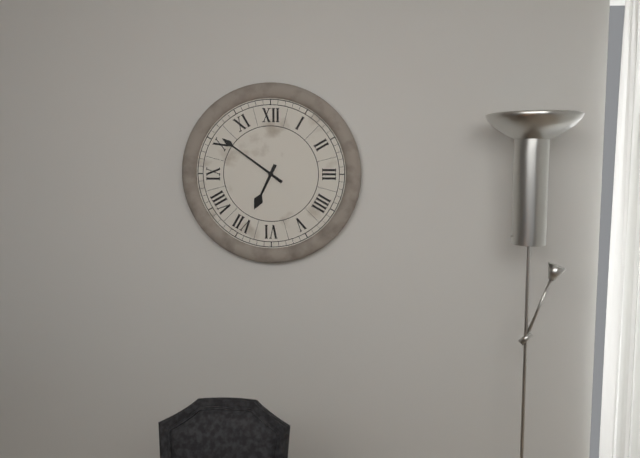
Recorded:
6.51
